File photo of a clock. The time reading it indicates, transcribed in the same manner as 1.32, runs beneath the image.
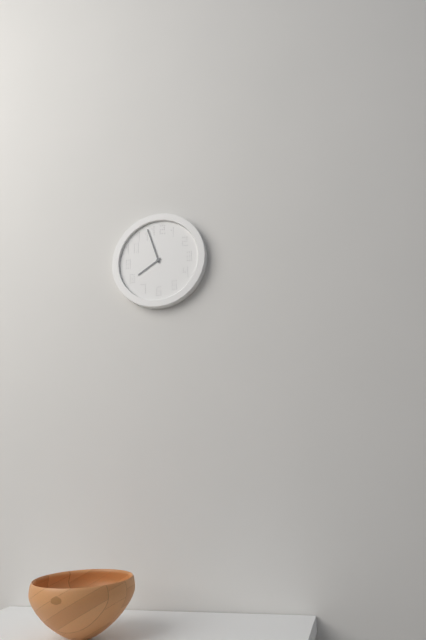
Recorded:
7.57
